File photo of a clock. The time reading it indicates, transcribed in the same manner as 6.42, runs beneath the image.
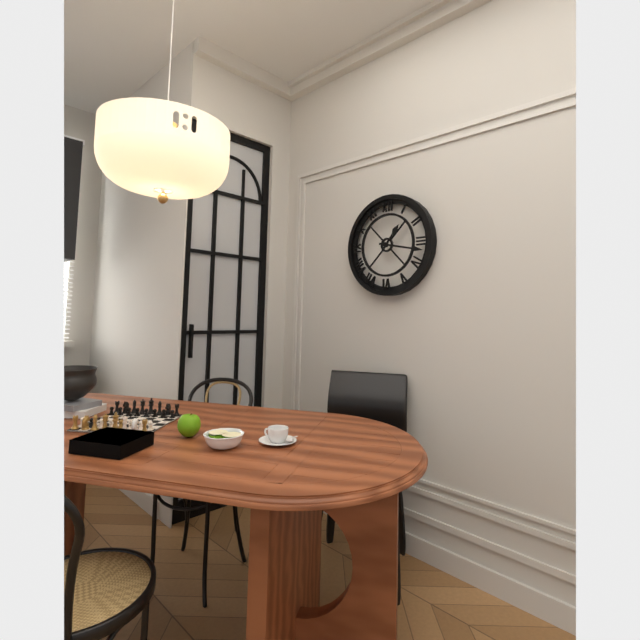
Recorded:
1.17
